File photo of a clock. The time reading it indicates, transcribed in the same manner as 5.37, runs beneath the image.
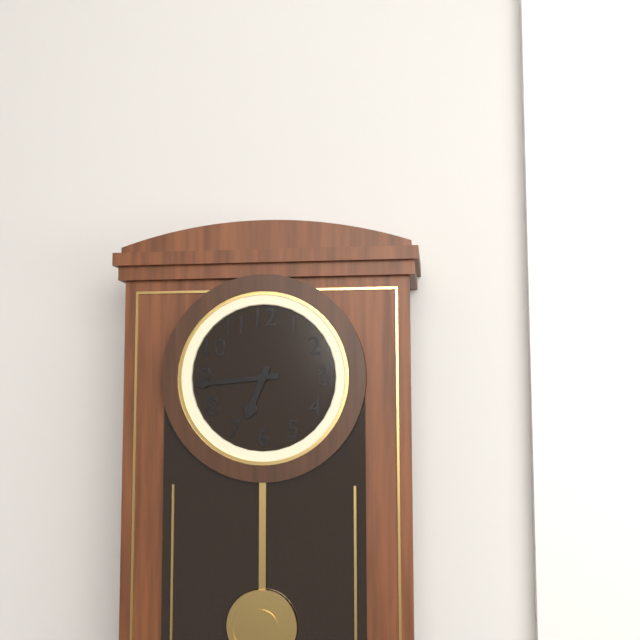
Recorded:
6.44
